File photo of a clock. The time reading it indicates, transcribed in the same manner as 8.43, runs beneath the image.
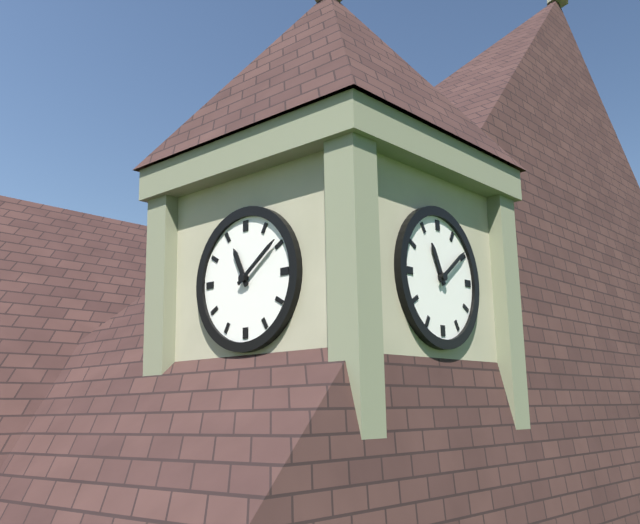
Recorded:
11.09
